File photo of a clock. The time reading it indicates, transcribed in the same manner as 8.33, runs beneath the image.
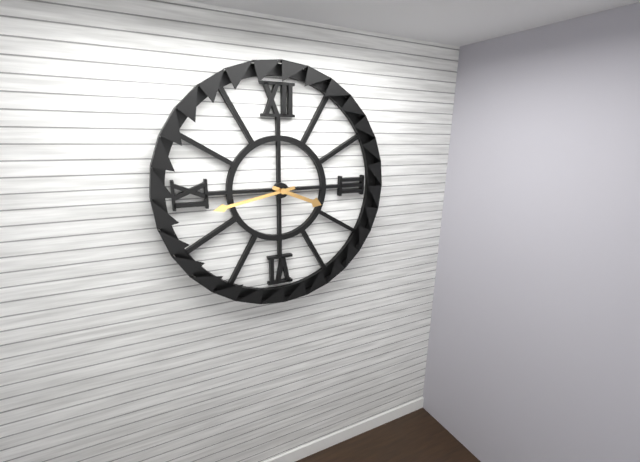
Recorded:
3.43
